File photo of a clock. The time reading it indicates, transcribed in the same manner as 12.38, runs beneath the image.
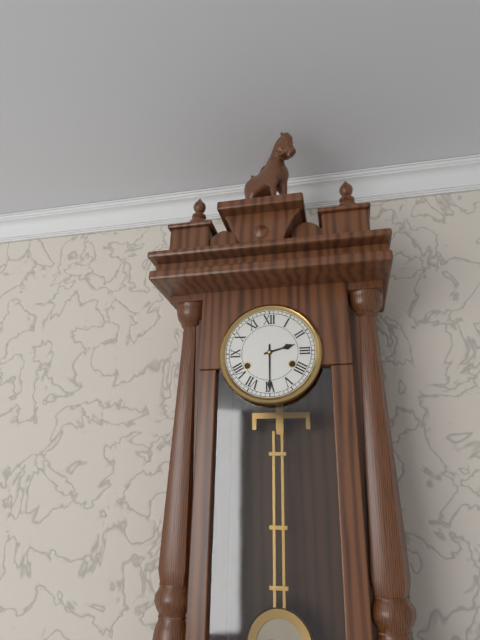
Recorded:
2.30
